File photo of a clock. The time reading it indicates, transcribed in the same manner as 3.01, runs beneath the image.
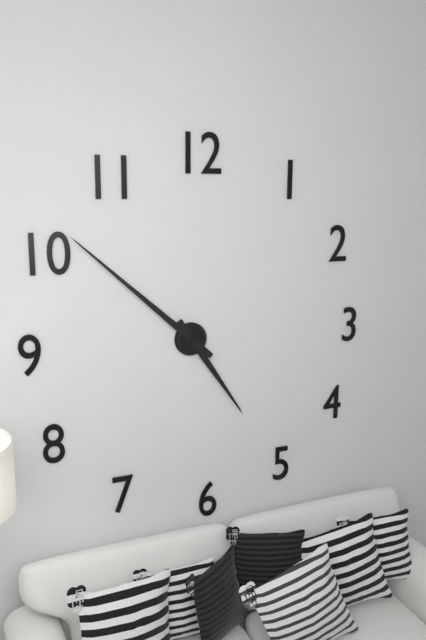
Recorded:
4.52
